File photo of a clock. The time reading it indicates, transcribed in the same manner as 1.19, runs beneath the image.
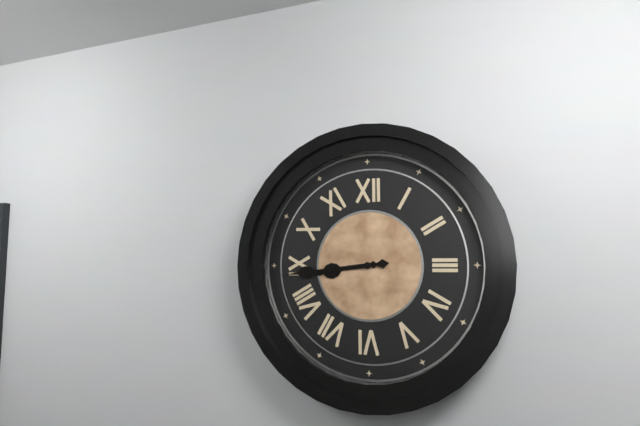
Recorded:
8.44
